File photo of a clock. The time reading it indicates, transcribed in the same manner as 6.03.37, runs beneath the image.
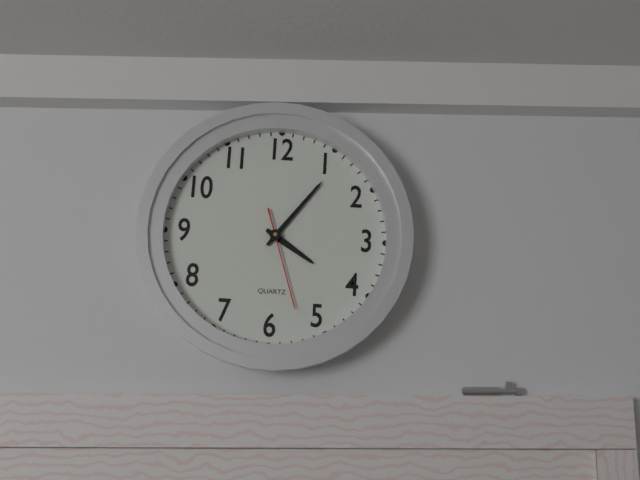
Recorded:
4.06.27
